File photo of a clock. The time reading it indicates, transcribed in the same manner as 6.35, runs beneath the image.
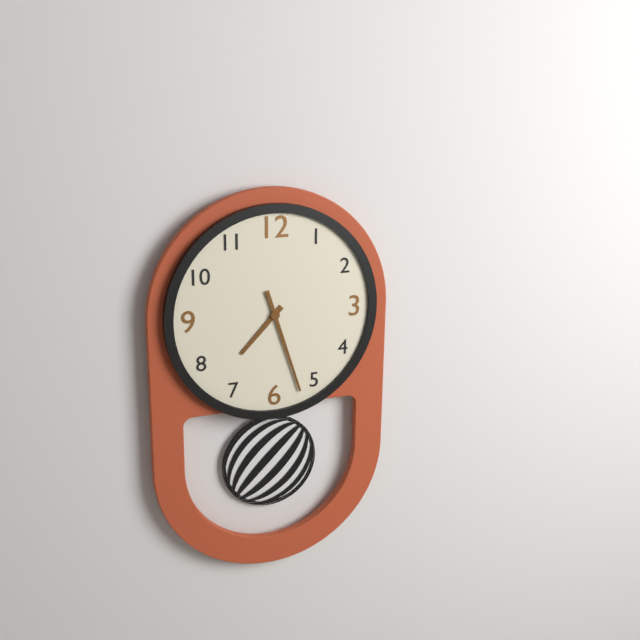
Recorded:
7.27
